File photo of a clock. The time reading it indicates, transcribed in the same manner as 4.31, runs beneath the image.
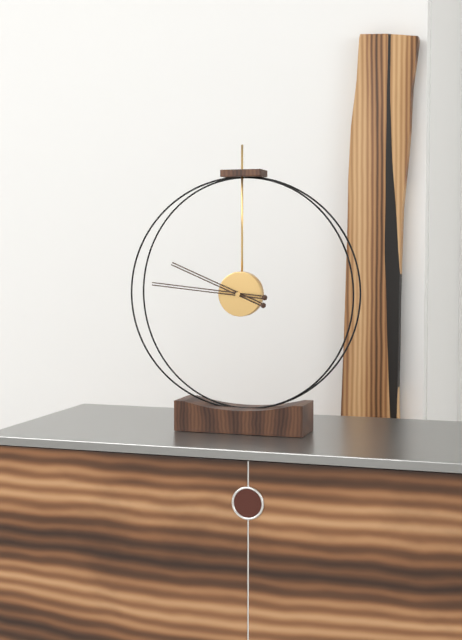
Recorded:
9.46
